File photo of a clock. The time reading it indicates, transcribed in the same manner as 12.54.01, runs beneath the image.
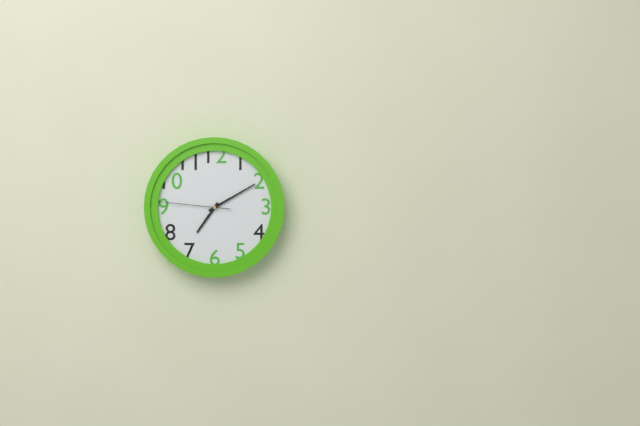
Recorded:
7.10.46
